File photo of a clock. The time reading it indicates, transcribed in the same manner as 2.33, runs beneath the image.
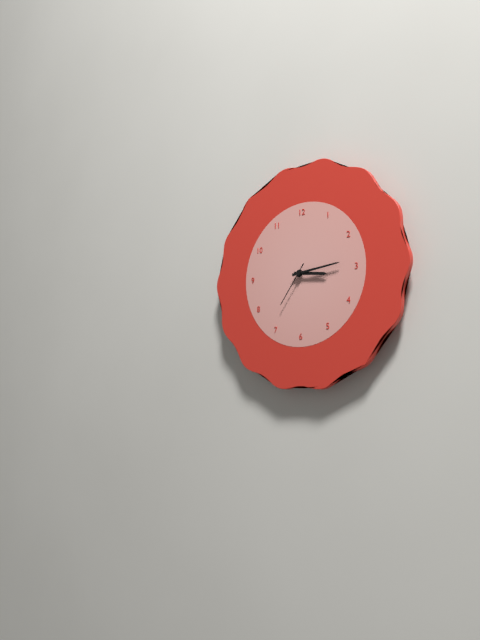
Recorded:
3.14
